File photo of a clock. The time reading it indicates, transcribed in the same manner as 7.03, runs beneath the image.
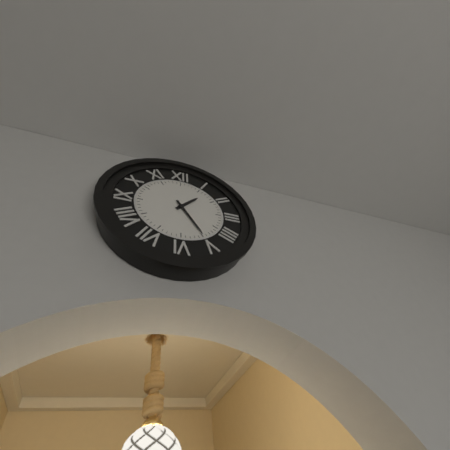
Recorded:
1.25
